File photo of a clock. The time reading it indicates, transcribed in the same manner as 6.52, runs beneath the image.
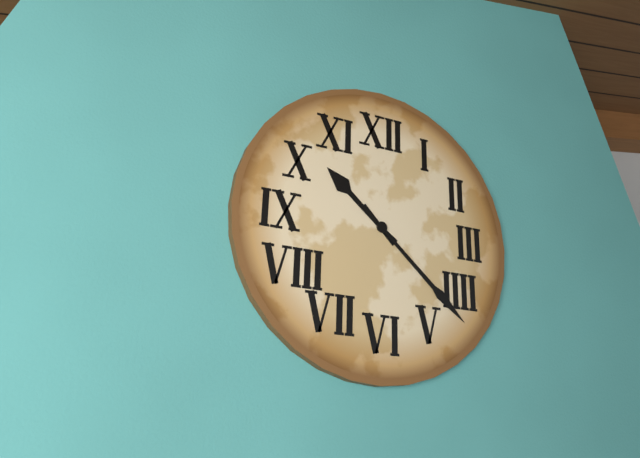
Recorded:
10.22
